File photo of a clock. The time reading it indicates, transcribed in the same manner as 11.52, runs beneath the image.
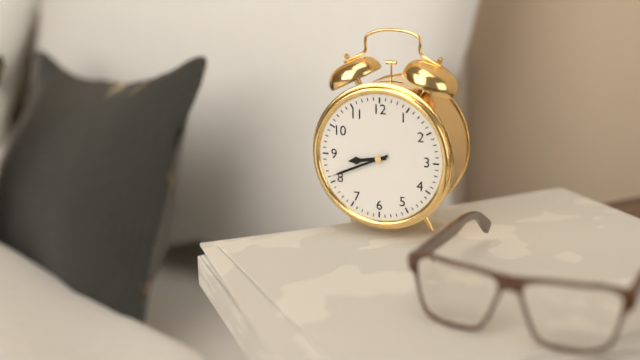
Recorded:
8.41
